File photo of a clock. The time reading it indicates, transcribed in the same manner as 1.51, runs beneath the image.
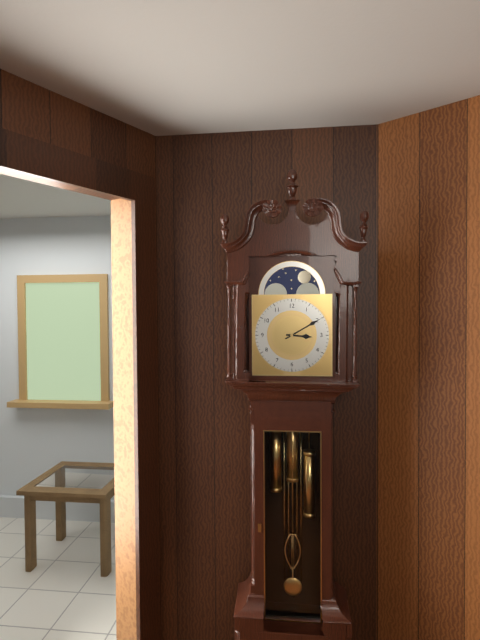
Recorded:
3.10
